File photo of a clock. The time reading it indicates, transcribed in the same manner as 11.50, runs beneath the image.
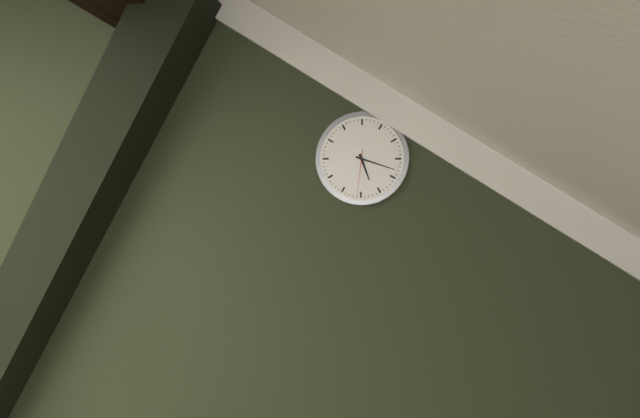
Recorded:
5.18
